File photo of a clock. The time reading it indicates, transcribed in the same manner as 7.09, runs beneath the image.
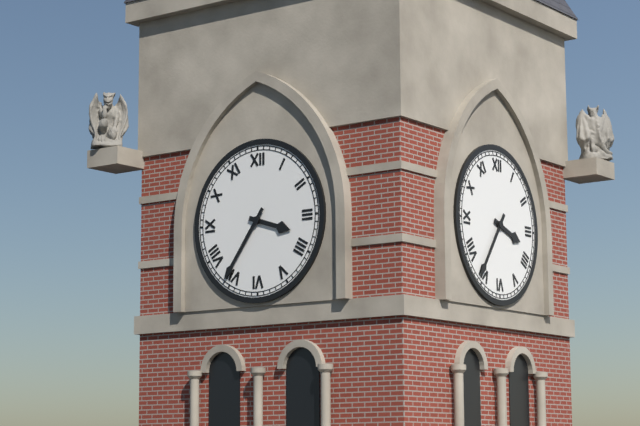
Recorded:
3.36
